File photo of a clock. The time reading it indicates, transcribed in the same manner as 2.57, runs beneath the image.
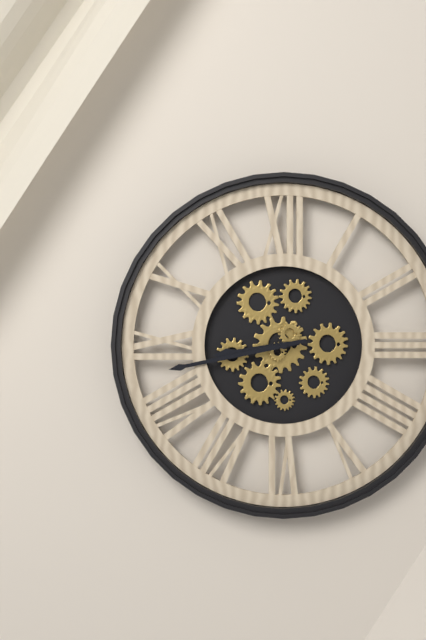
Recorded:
8.43
